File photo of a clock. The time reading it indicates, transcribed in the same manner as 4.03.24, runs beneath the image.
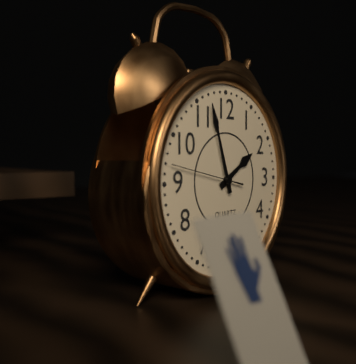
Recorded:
1.57.47
